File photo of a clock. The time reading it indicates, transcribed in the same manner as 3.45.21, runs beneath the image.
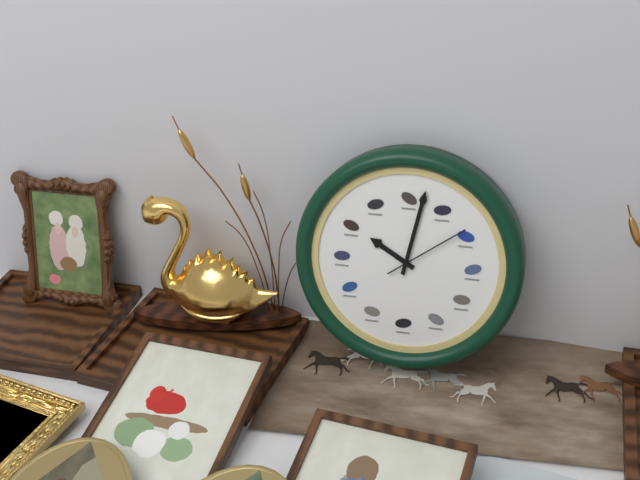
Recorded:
10.02.09
